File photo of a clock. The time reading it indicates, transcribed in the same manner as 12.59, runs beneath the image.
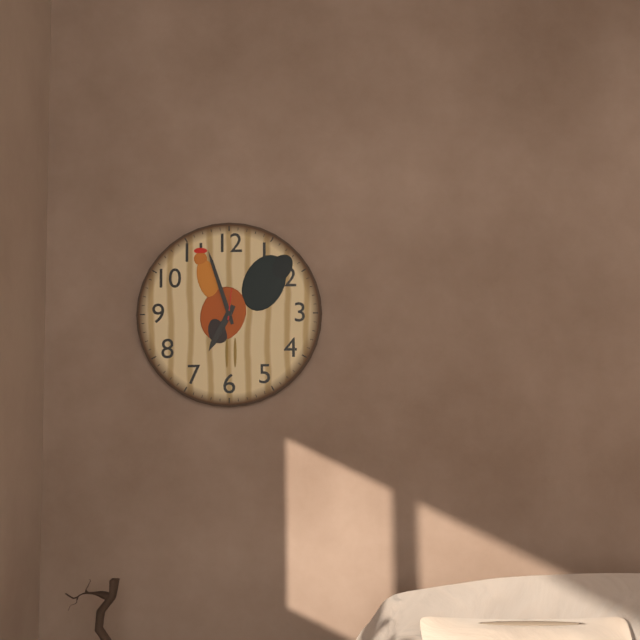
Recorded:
6.57
